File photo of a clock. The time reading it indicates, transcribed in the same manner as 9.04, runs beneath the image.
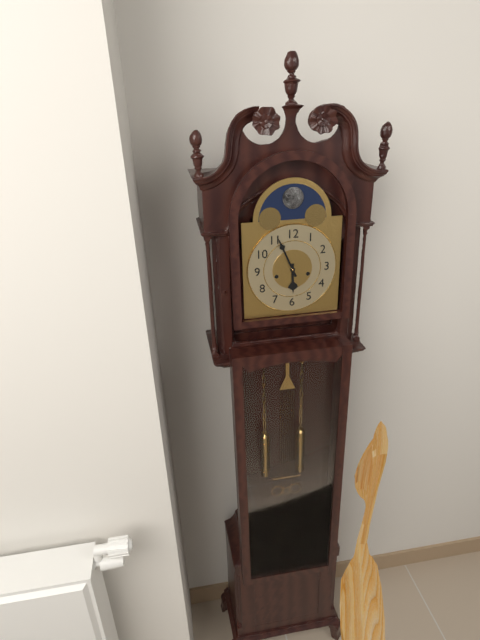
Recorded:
5.56
